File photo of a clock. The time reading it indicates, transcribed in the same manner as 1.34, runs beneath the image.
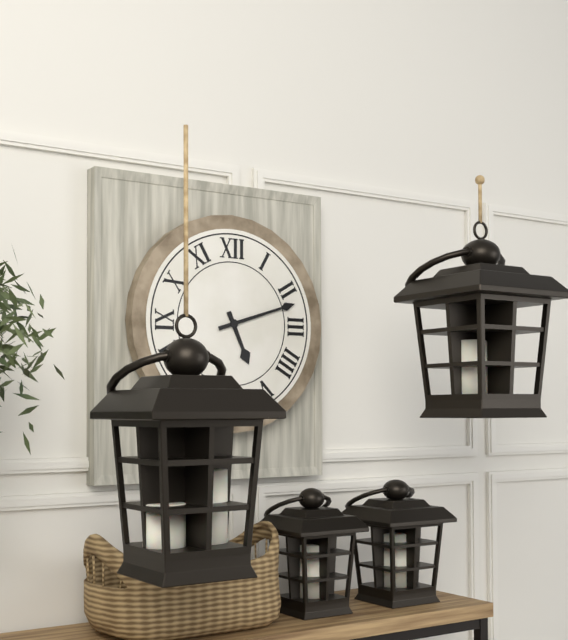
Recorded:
5.12
